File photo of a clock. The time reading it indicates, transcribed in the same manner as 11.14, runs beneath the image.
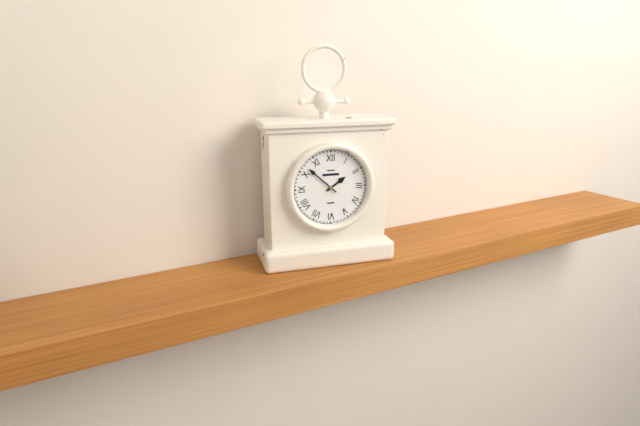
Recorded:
1.52
